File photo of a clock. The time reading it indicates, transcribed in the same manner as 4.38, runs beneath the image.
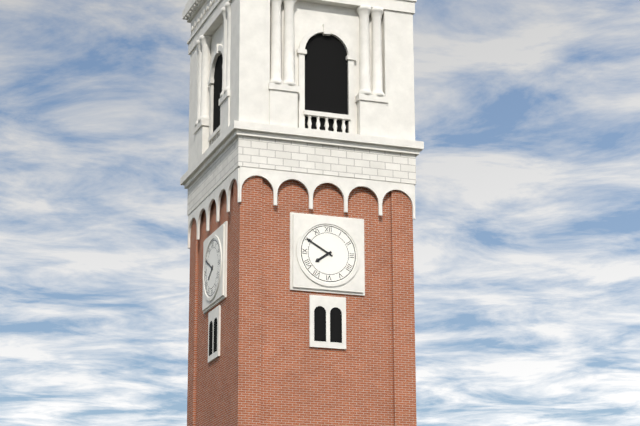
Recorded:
7.50
